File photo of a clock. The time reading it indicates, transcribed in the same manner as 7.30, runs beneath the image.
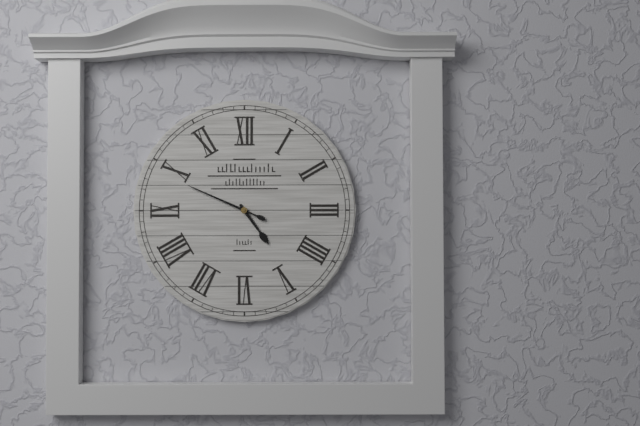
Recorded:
4.49
